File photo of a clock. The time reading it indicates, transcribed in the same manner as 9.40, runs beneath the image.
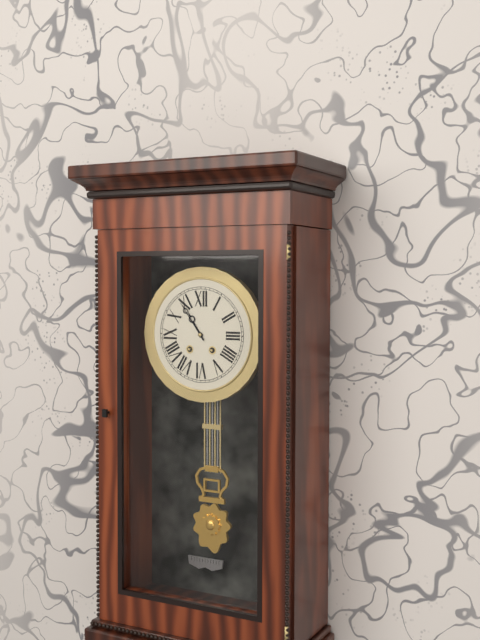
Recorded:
10.54
